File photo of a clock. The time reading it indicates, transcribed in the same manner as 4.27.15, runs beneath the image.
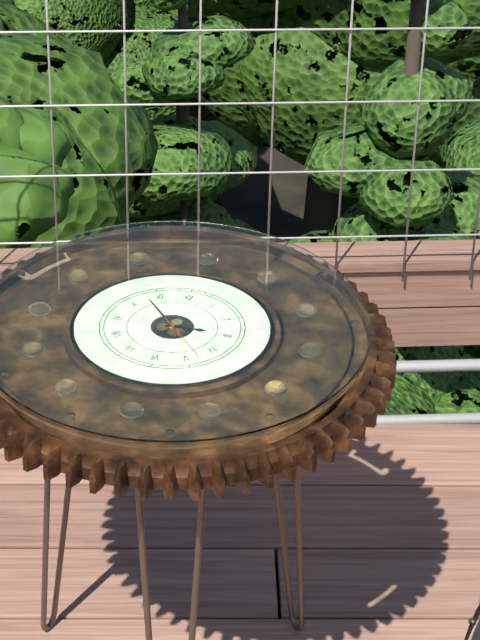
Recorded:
2.53.23
